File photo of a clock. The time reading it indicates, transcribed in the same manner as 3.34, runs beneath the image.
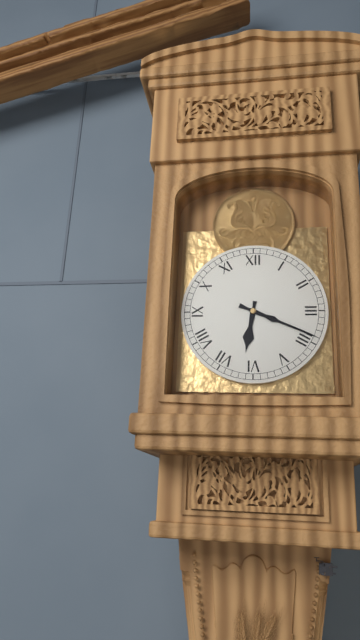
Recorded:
6.19
